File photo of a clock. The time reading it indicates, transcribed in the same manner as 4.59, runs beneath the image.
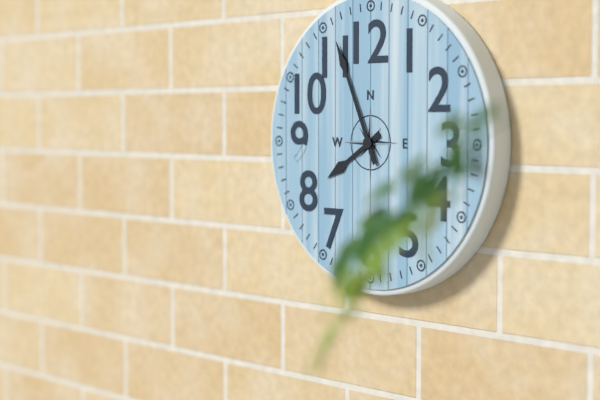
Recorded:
7.56
